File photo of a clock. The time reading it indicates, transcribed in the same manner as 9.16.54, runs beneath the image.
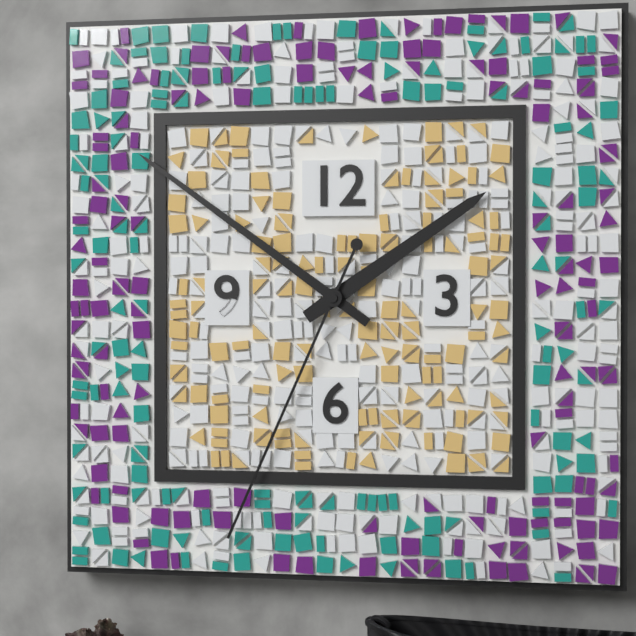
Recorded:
1.51.34
